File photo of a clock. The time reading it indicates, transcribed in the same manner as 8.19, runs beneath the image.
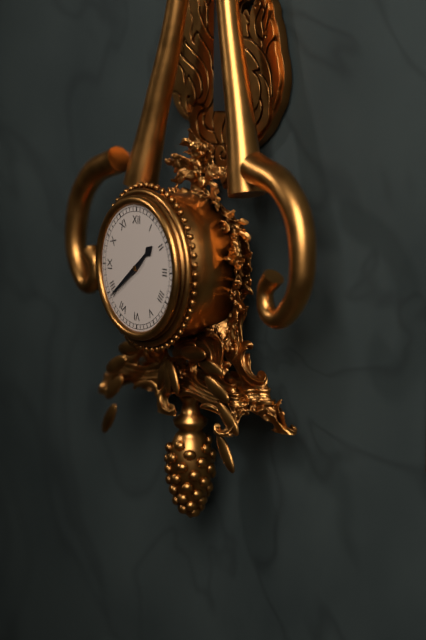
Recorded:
1.39
